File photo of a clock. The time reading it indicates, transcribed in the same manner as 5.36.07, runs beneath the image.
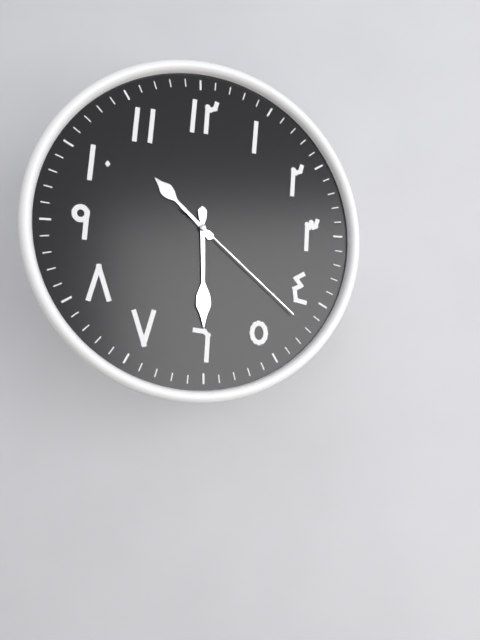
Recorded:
10.30.22
